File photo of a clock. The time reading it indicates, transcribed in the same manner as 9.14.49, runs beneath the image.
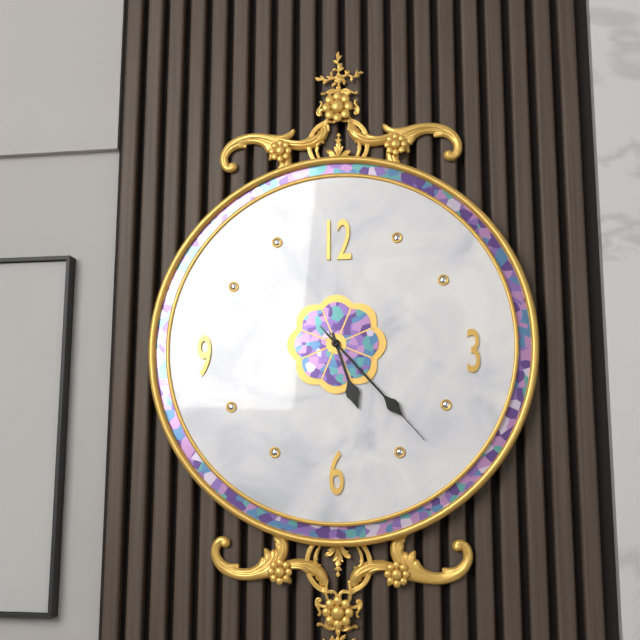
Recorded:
5.23.23
